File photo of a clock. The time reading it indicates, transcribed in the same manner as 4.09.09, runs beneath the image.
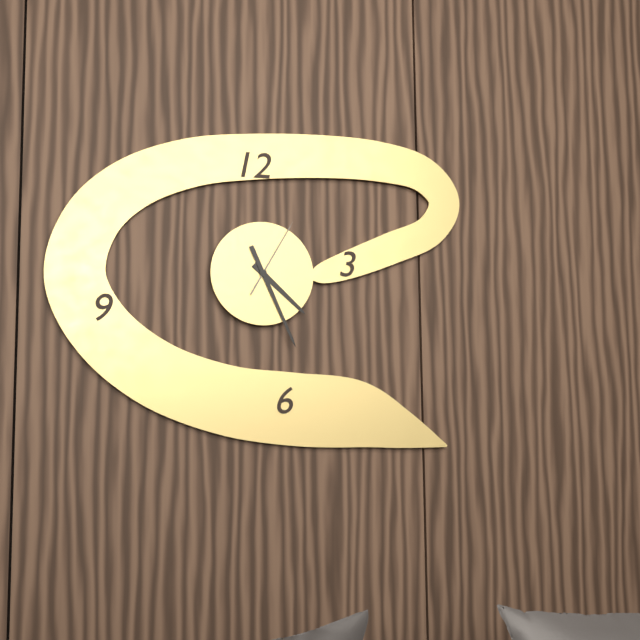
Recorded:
4.26.05
